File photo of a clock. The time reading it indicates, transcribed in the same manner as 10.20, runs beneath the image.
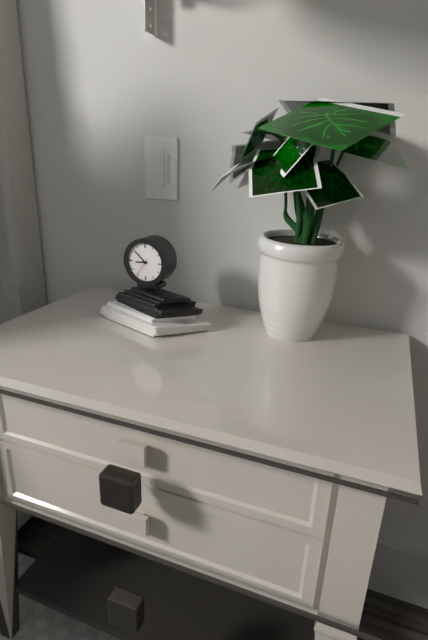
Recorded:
8.52
